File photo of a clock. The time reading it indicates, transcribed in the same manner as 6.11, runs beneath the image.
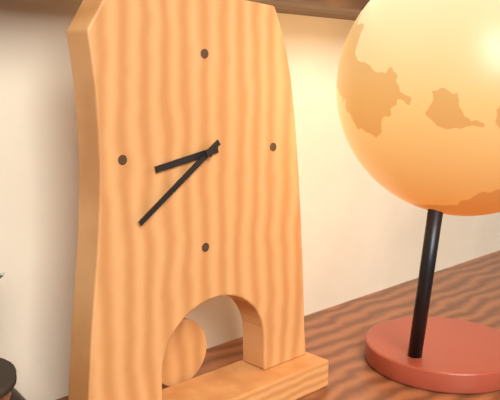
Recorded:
8.39
